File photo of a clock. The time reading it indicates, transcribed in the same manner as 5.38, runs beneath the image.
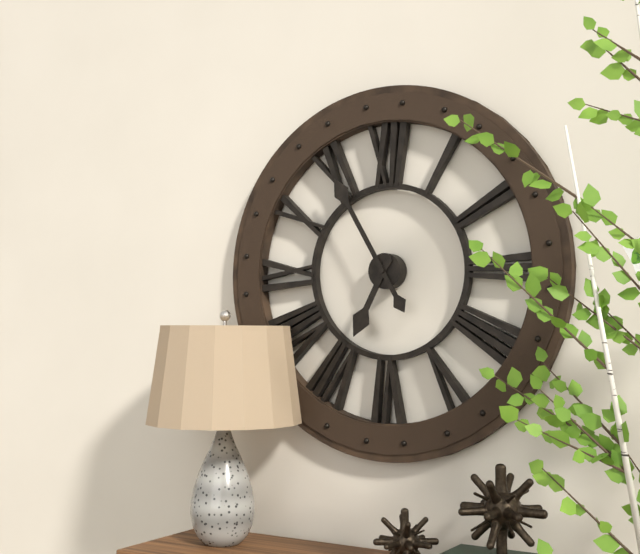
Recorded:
6.55
